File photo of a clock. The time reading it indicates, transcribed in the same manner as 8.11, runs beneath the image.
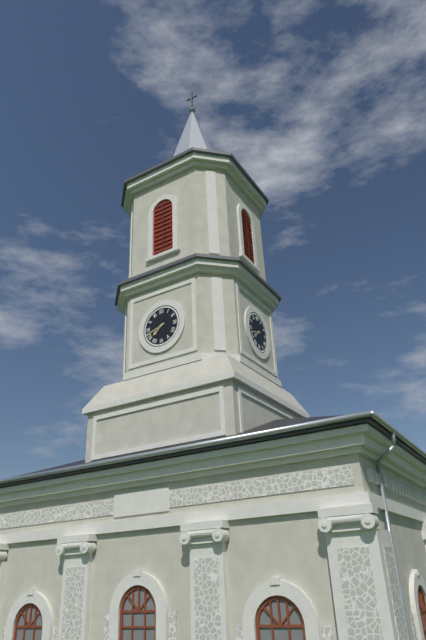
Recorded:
7.42
